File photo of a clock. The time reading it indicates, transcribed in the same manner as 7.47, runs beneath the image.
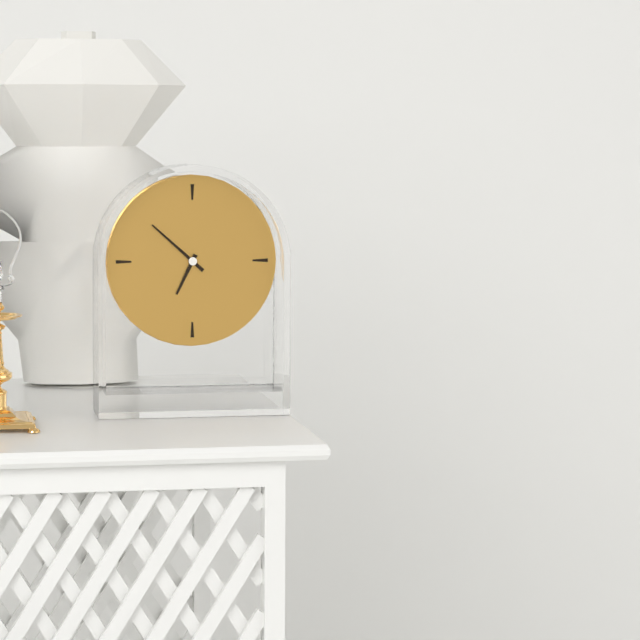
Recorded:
6.52
